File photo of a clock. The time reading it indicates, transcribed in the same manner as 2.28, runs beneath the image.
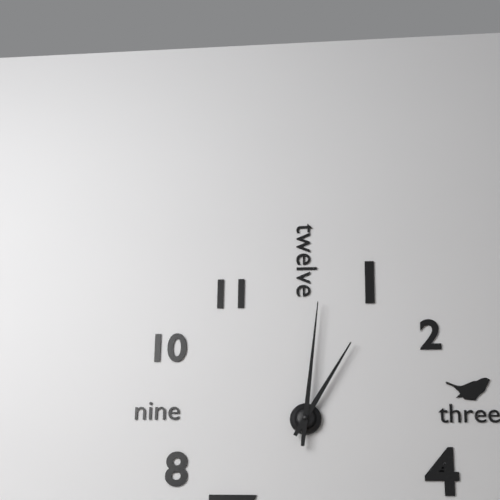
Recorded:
1.01
